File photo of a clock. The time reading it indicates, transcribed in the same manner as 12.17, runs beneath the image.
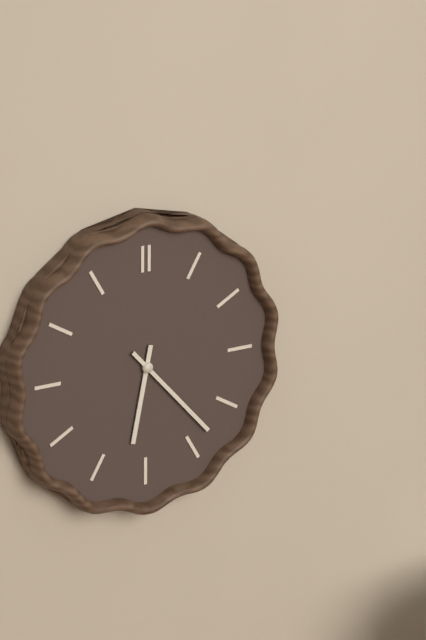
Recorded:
6.23
